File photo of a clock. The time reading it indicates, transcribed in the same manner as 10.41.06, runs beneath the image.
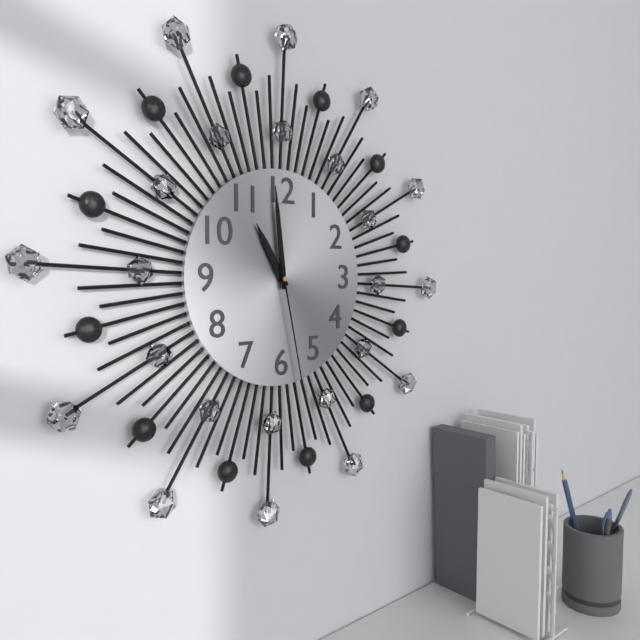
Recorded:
10.59.28
